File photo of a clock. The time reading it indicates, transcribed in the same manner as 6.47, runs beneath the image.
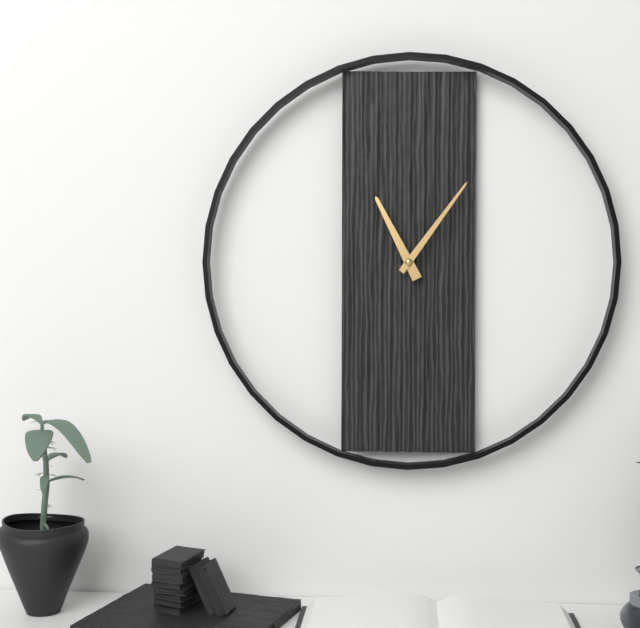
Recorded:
11.06
